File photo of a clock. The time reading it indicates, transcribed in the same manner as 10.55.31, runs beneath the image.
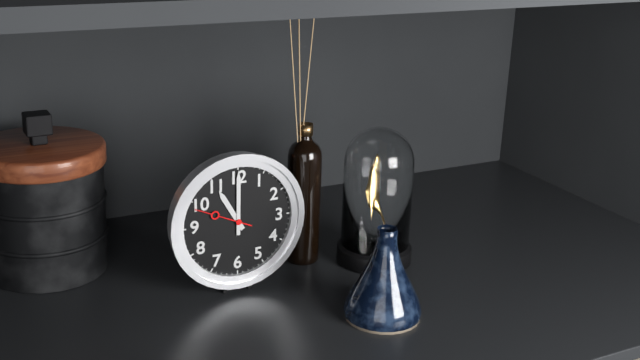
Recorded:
11.00.49
